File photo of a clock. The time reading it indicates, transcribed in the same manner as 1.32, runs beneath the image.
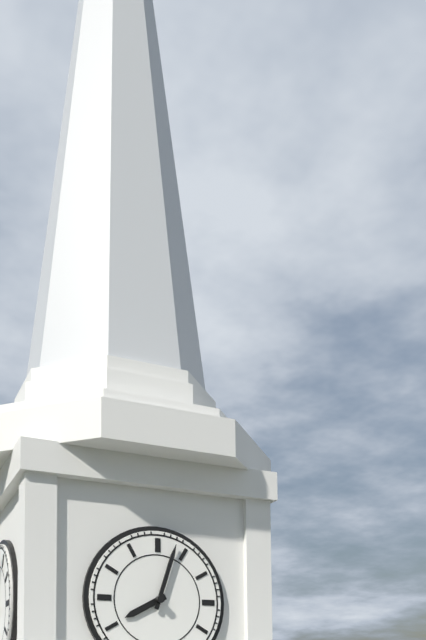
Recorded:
8.03
